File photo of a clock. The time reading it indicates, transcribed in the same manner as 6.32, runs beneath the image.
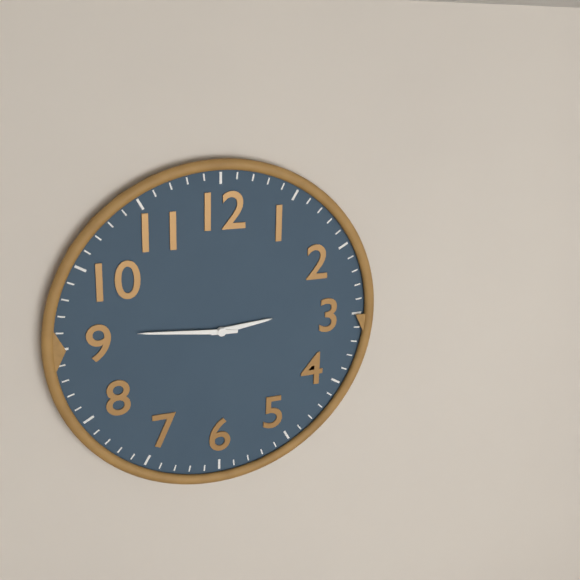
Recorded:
2.46
